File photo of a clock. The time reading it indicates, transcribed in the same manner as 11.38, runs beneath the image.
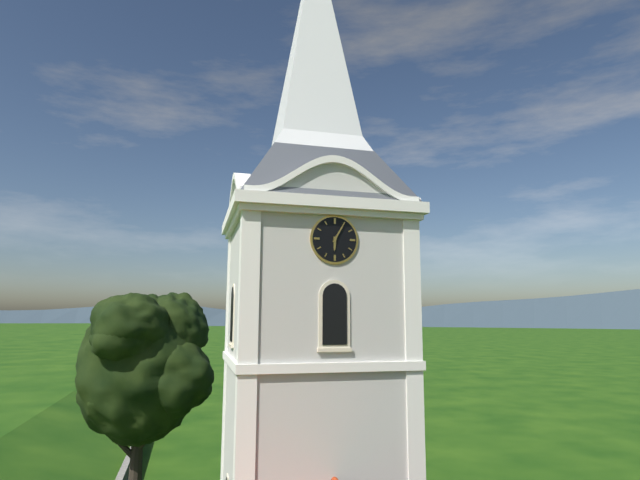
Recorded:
6.05
